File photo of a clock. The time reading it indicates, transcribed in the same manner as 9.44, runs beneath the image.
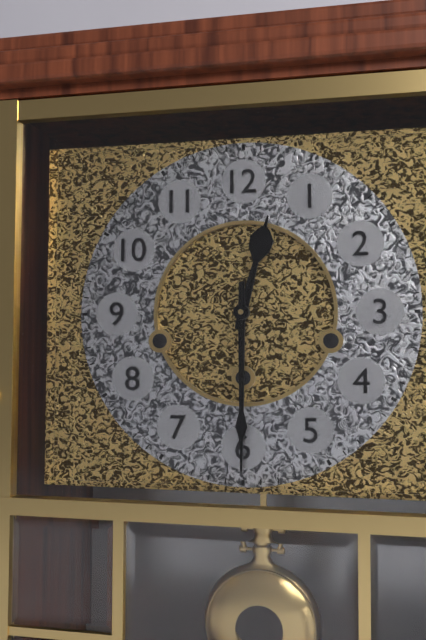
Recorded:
12.30
